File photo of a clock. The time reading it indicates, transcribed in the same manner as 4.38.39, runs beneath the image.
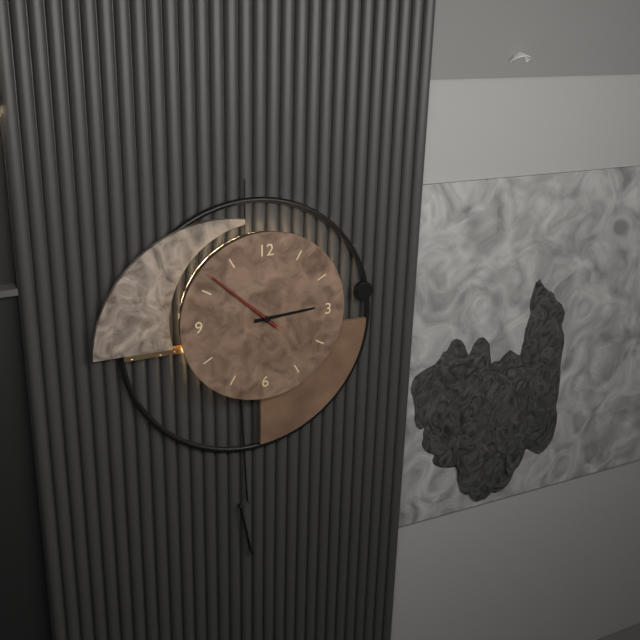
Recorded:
2.52.52
